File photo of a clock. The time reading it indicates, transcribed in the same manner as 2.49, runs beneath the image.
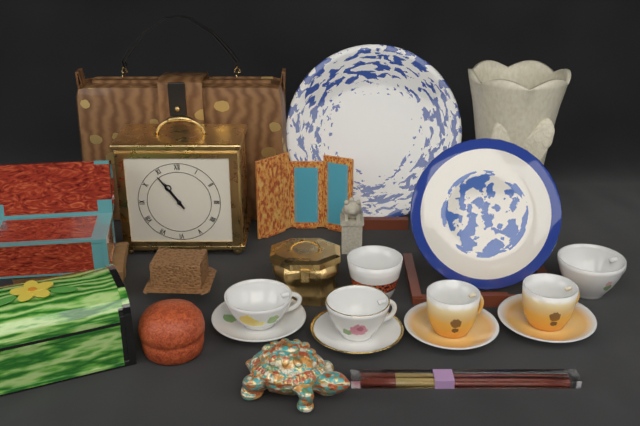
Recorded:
10.54
